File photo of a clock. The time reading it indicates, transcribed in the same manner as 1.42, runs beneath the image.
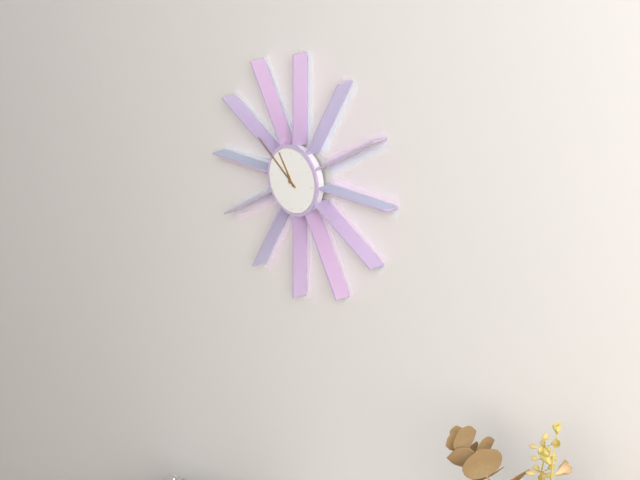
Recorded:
10.51
